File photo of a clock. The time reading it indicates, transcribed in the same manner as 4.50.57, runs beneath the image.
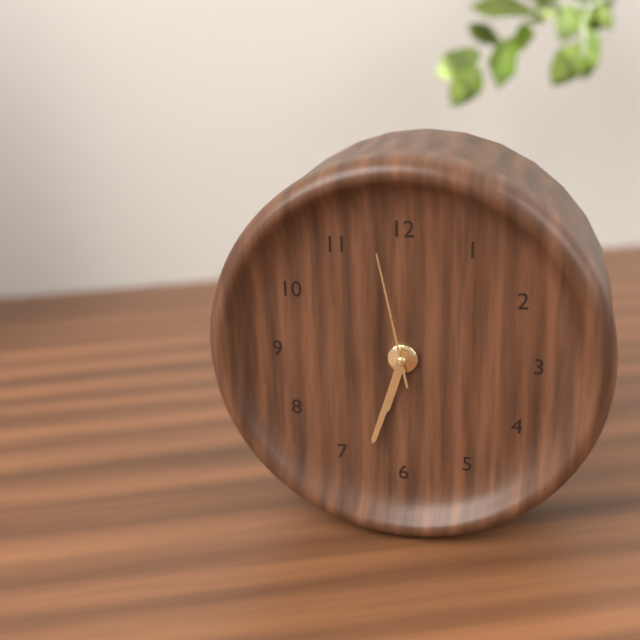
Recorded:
6.33.58
